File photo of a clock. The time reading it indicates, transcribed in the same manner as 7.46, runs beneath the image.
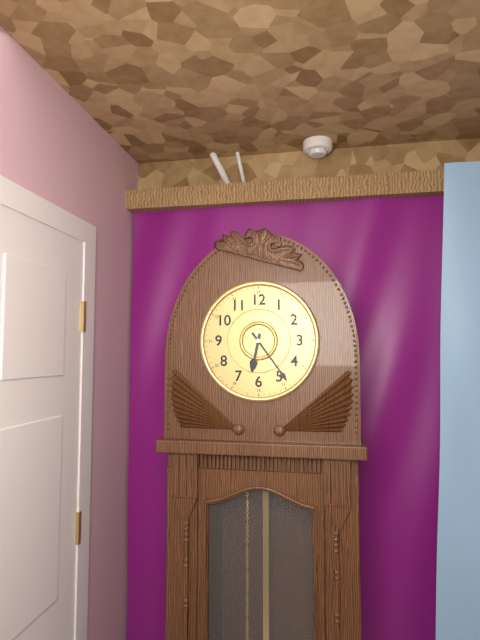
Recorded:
6.24
